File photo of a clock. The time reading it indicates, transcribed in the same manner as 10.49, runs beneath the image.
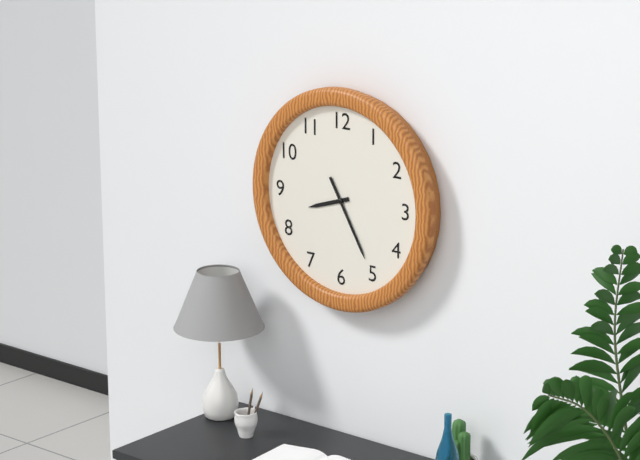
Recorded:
8.25
